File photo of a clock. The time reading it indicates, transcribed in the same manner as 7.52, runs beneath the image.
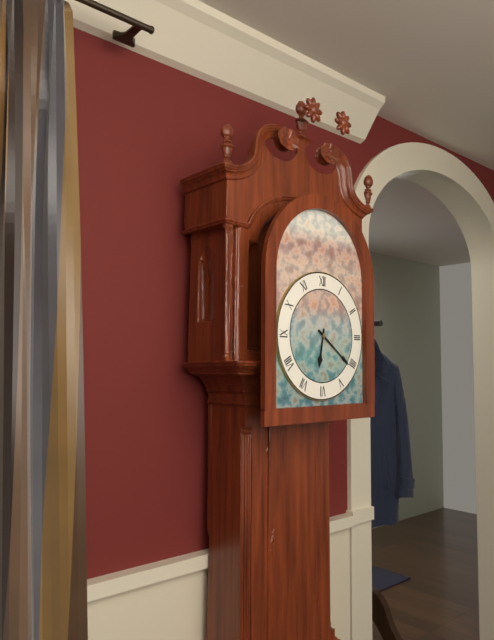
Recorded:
6.21
